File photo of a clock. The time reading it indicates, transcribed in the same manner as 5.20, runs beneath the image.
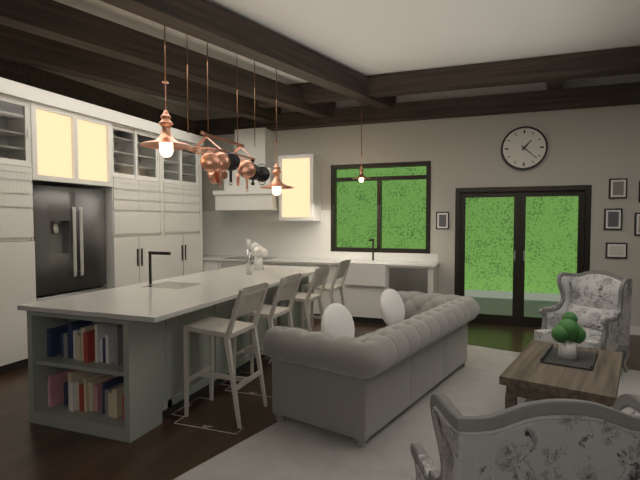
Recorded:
1.22
